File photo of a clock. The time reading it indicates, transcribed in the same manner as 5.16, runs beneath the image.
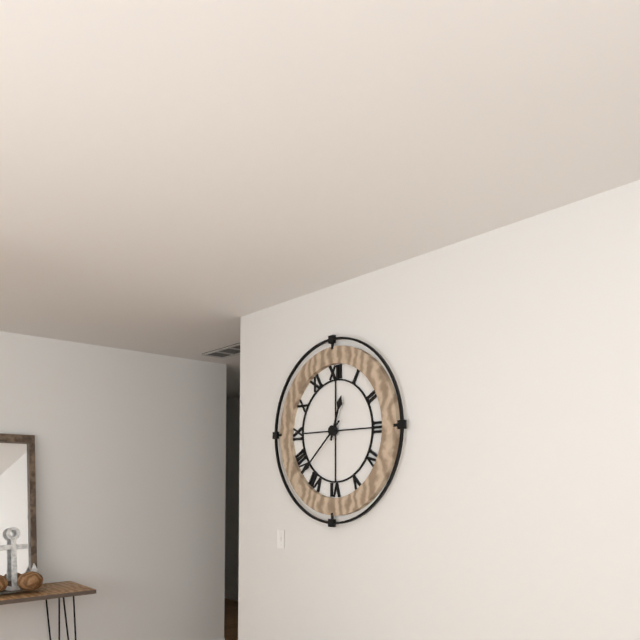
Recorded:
12.38
